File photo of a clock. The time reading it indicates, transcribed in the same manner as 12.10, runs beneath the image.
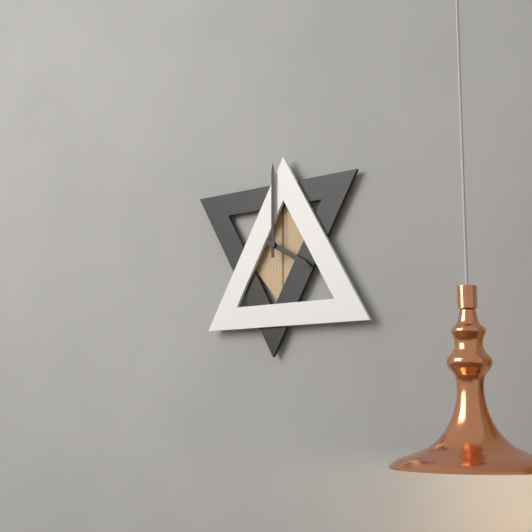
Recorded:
4.00
